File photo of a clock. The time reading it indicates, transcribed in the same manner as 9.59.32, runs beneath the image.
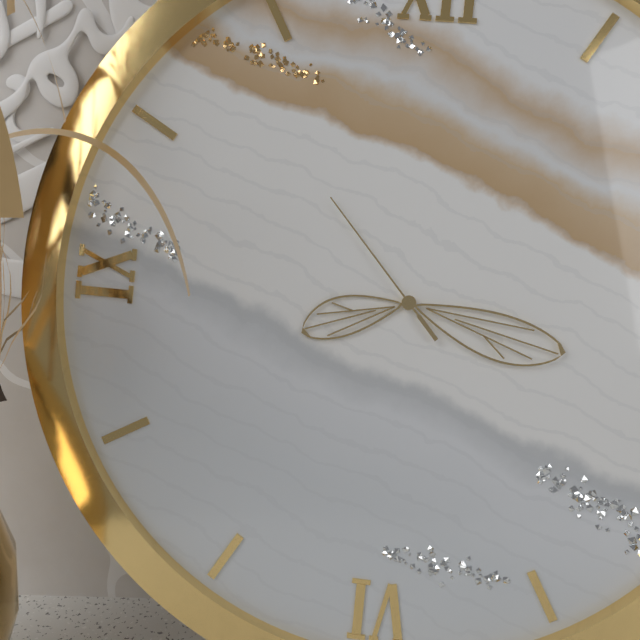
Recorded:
8.17.53
